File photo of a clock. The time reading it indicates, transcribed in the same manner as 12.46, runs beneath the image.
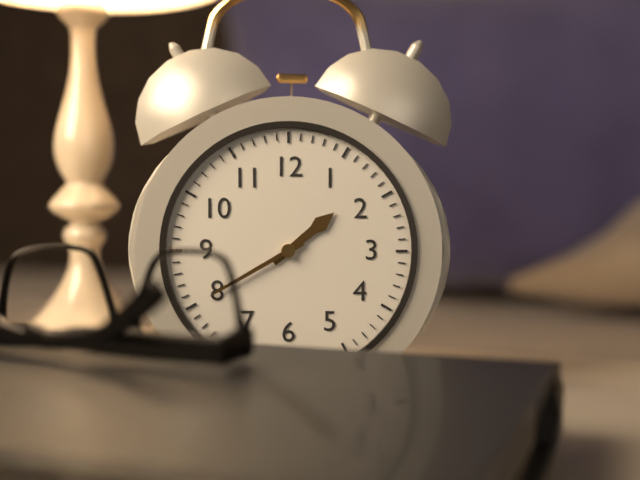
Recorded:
1.40
